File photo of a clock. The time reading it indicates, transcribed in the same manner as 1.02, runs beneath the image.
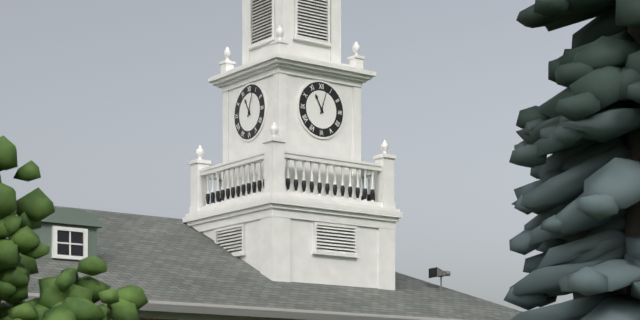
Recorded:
11.03
